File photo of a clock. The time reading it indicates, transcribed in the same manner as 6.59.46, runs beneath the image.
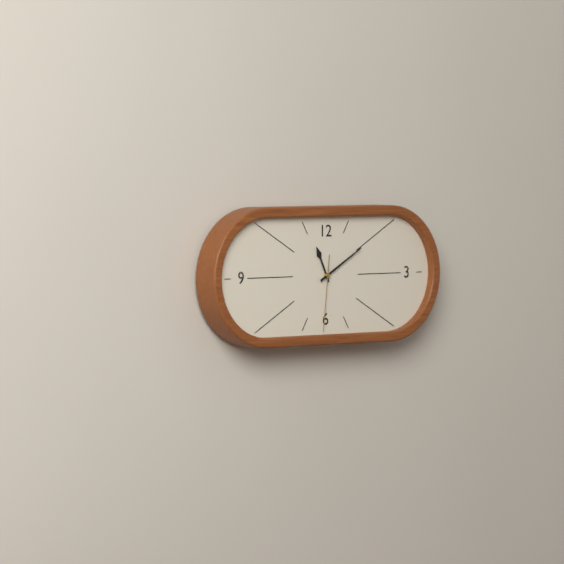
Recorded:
11.10.31
